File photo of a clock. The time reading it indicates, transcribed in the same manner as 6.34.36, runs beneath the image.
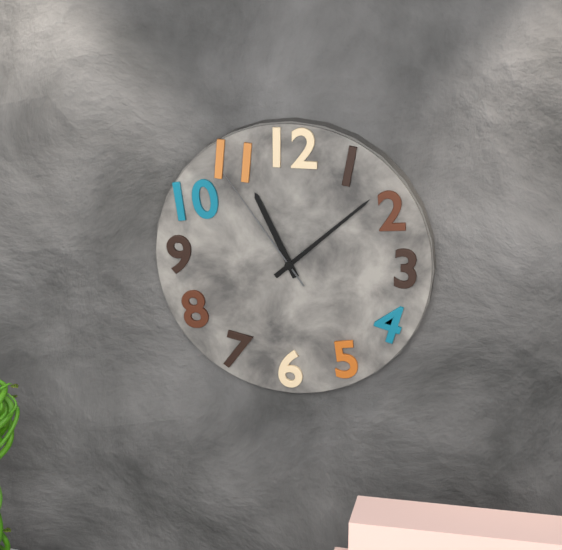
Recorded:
11.08.54
